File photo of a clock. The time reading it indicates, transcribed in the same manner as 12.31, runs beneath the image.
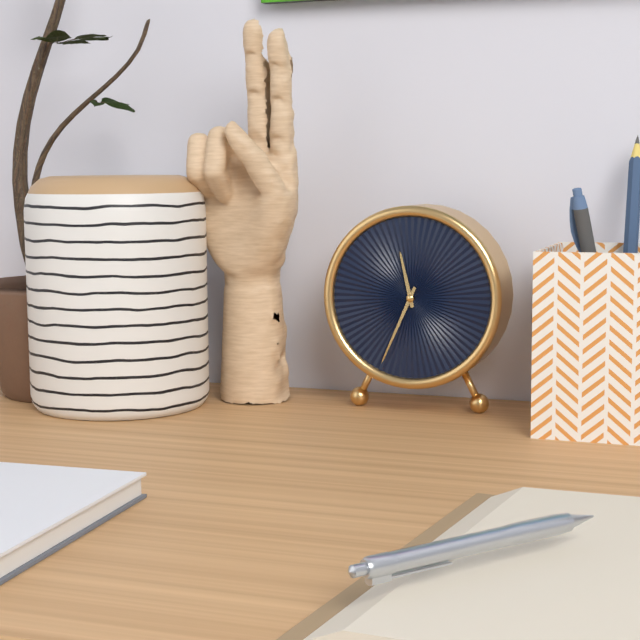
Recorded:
11.34
